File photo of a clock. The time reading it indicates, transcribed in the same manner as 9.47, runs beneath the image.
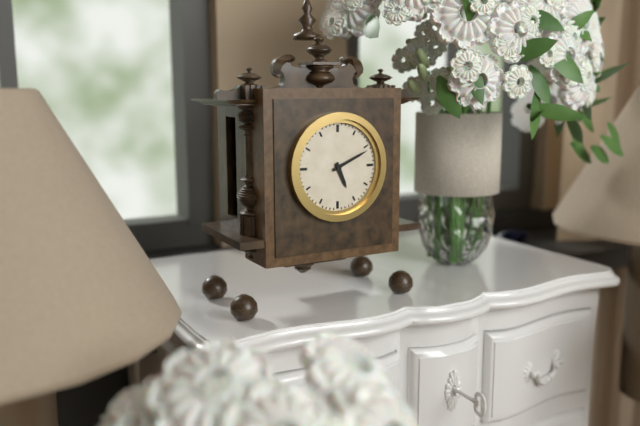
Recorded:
5.11
